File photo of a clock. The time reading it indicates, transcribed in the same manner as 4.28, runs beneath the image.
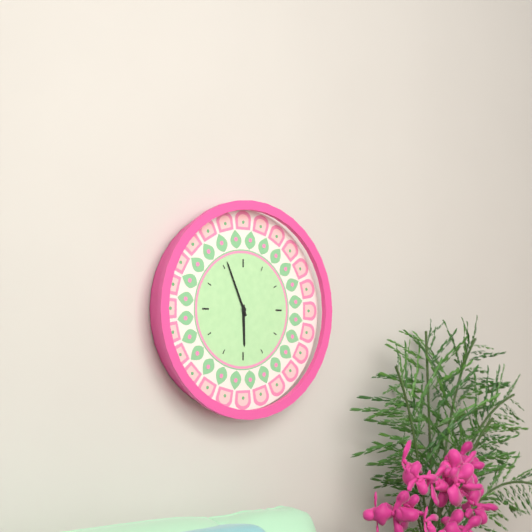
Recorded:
5.56
